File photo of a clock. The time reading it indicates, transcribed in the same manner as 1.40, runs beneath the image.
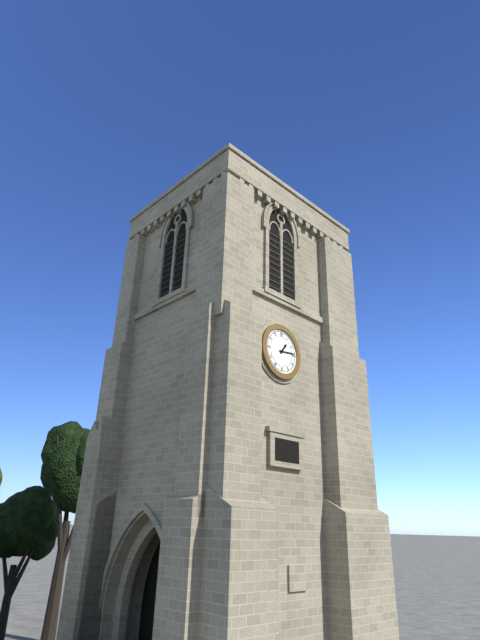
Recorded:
1.14
